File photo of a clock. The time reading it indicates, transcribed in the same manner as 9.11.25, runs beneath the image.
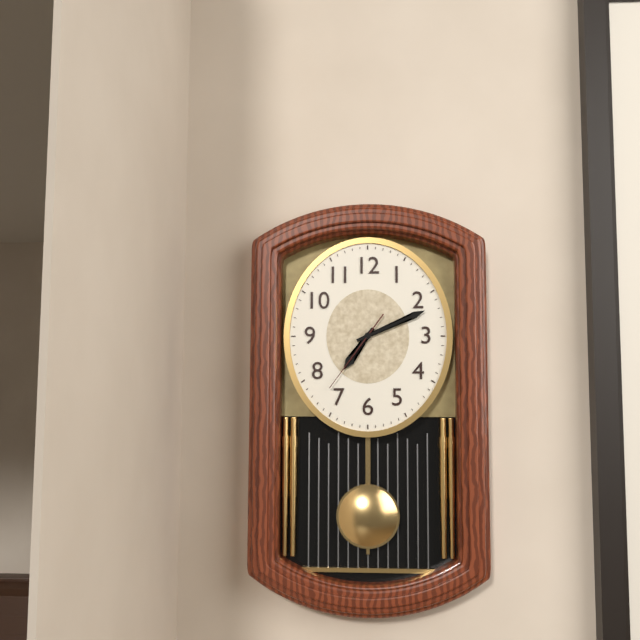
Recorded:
7.11.36
